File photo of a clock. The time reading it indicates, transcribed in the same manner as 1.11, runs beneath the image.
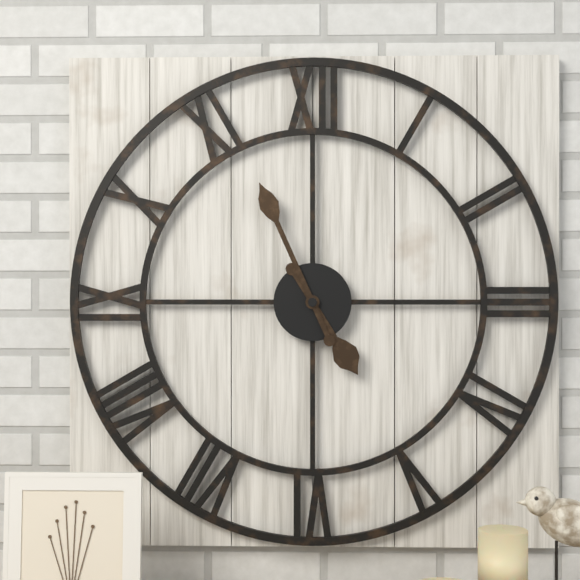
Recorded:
4.56
